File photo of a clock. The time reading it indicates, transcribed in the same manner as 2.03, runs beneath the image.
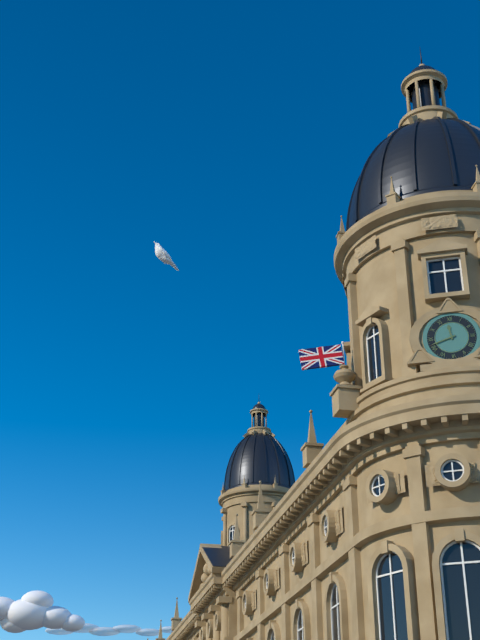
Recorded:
11.42
